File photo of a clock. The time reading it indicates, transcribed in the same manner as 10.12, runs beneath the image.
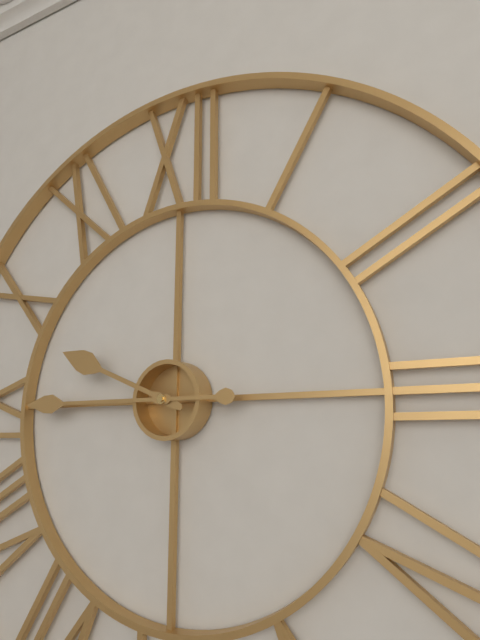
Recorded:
9.45
